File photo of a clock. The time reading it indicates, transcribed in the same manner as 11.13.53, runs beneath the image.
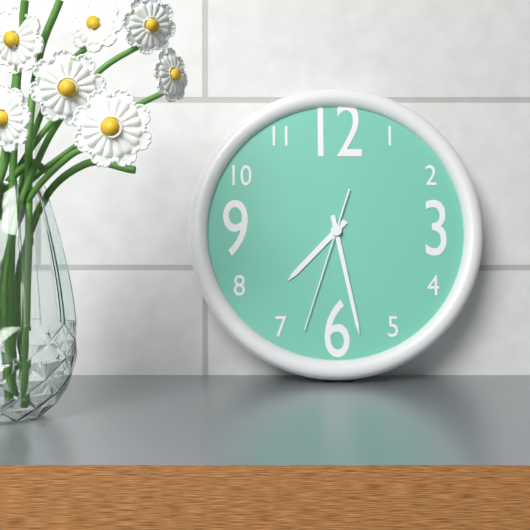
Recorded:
7.28.33
